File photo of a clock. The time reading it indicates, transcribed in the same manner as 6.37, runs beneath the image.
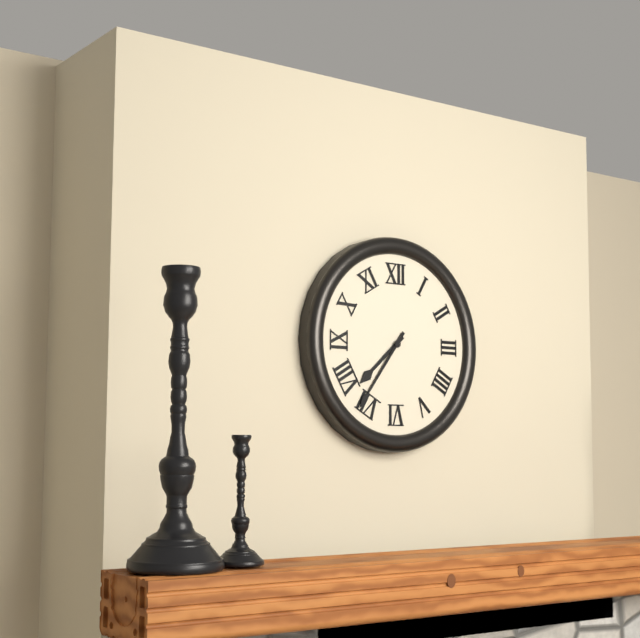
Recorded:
7.36
